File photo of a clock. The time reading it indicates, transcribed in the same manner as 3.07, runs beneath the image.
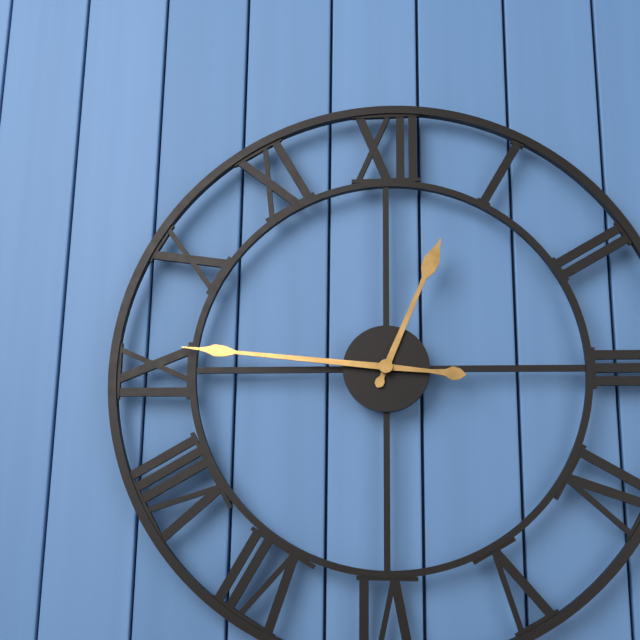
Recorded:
12.46
